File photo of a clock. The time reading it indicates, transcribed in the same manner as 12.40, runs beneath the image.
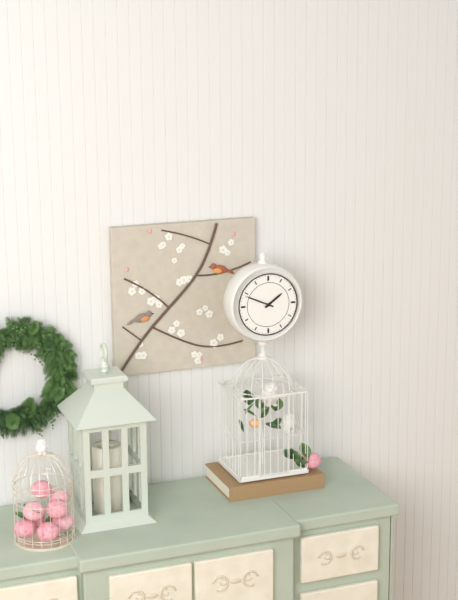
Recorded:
1.49
